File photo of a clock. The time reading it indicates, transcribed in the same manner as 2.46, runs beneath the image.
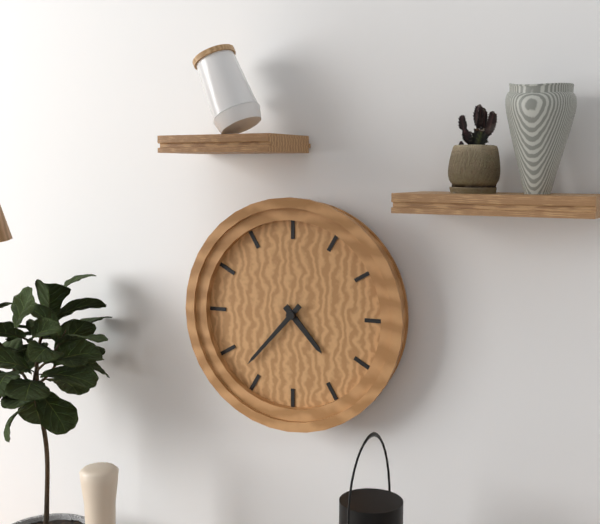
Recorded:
4.37
